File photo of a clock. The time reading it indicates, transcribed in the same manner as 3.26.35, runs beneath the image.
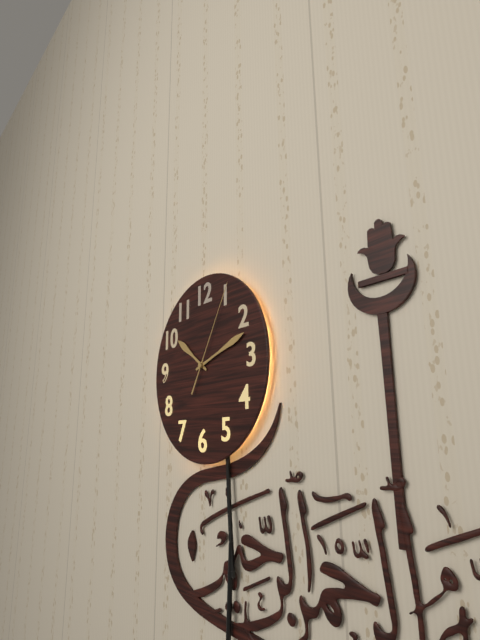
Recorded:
10.12.05
